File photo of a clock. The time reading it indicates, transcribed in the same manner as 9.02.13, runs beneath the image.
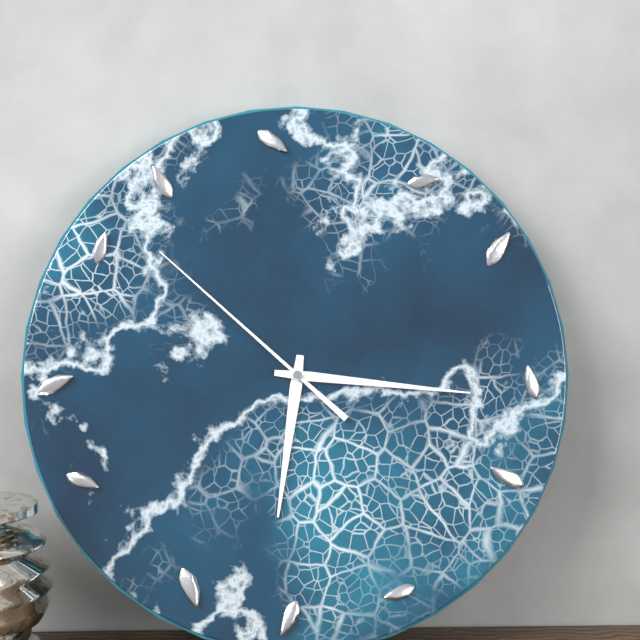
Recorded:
6.16.52
